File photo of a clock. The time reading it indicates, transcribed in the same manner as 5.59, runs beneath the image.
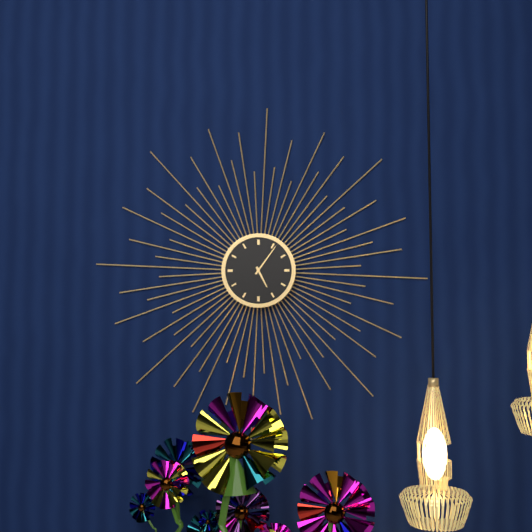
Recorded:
5.06
